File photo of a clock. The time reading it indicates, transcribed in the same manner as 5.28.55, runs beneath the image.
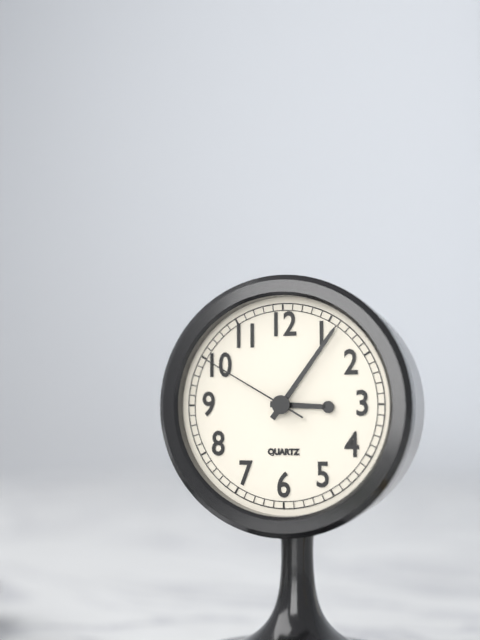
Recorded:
3.06.50
